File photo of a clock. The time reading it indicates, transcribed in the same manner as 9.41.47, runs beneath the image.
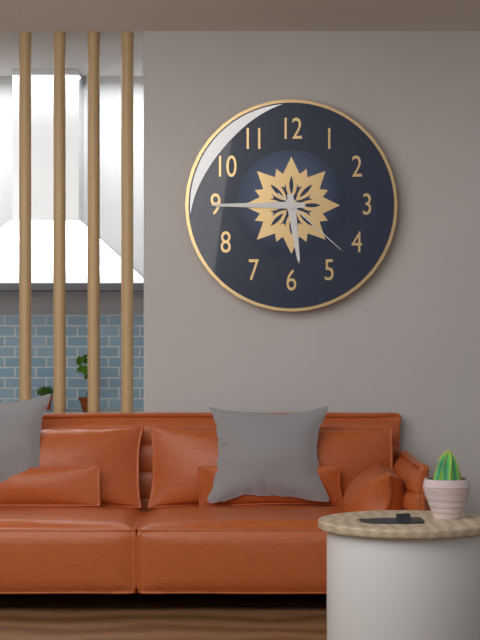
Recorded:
5.45.22
